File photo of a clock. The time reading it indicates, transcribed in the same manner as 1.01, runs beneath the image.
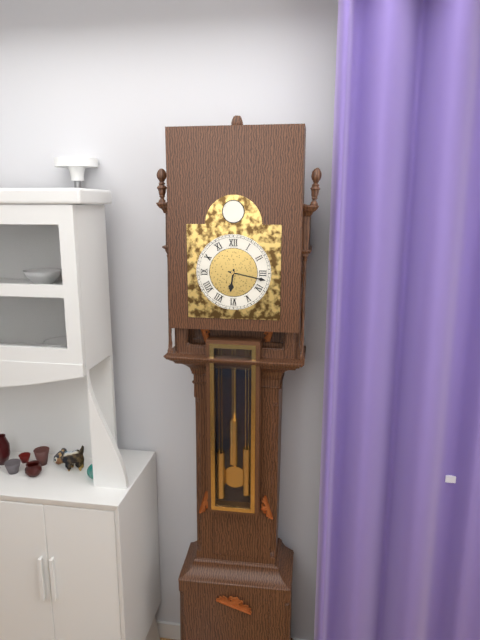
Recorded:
6.17
